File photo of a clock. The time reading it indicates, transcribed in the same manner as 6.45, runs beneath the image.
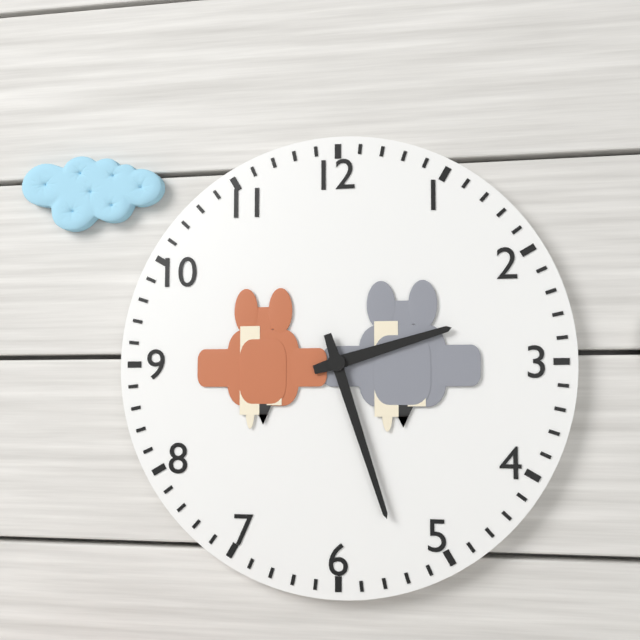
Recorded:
2.27
